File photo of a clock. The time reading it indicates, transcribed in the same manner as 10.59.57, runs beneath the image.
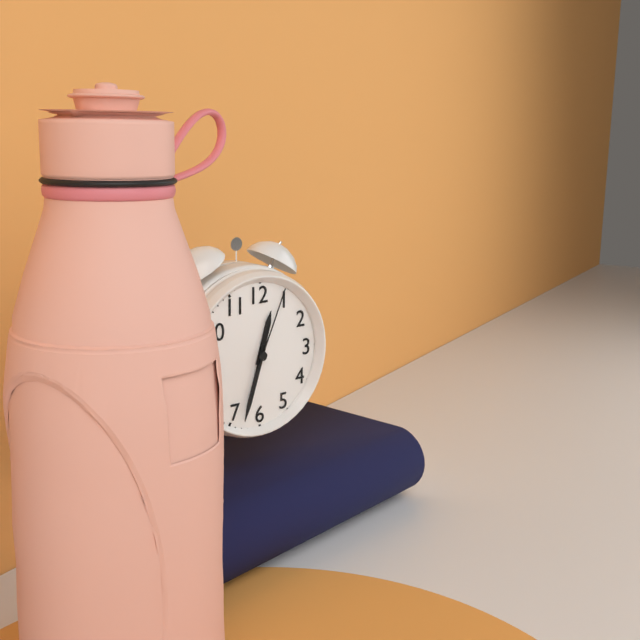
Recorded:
12.33.04
